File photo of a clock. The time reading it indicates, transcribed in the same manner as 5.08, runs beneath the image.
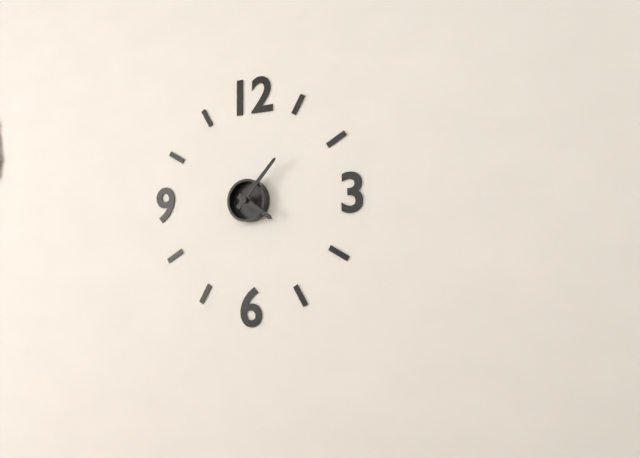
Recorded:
4.07
